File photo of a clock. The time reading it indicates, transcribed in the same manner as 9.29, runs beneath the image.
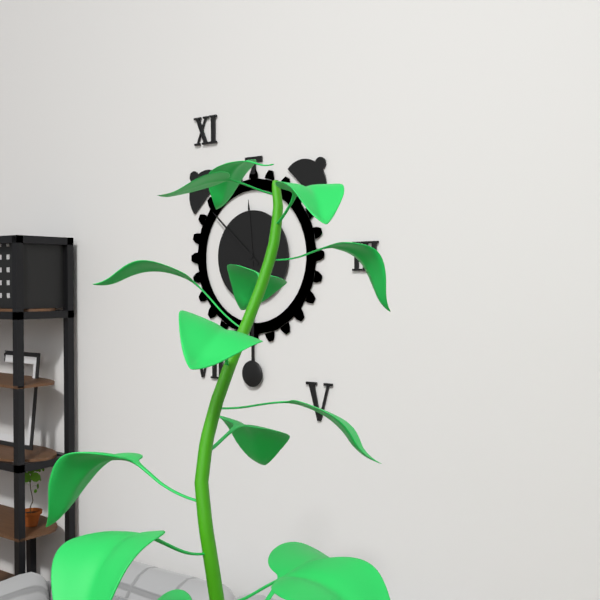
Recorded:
11.52
